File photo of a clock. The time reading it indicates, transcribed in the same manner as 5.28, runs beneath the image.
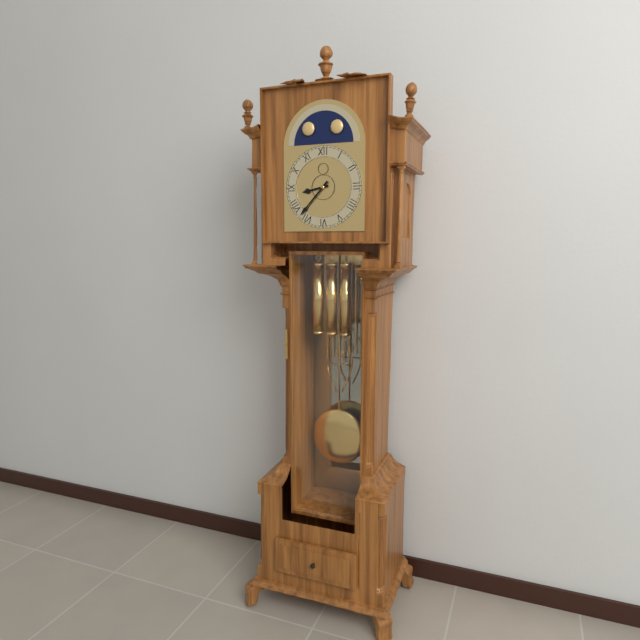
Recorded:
8.37
